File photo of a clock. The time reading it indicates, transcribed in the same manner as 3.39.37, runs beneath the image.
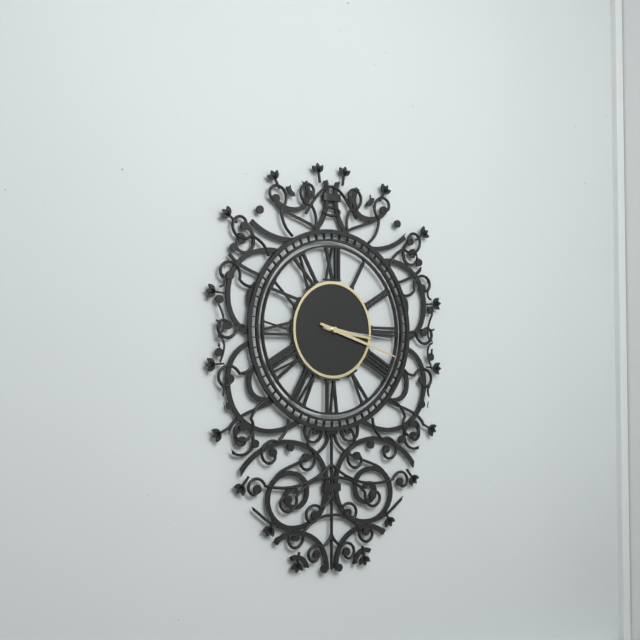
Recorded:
3.18.16
